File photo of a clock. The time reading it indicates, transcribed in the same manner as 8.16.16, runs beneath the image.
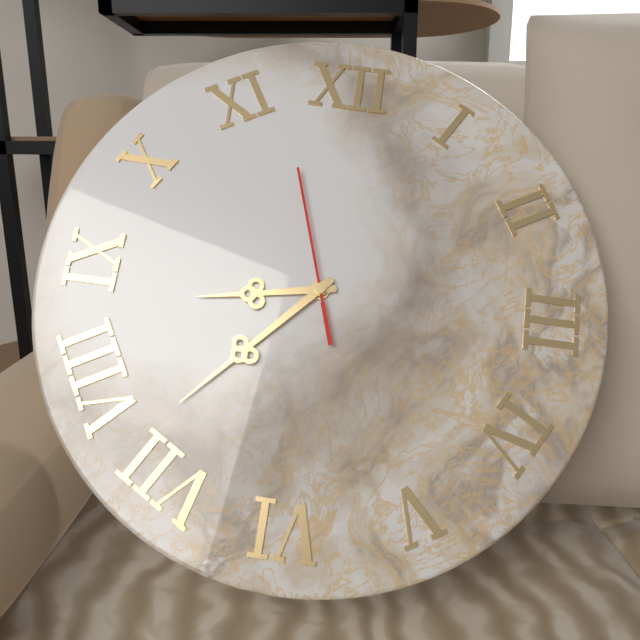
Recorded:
8.37.57
